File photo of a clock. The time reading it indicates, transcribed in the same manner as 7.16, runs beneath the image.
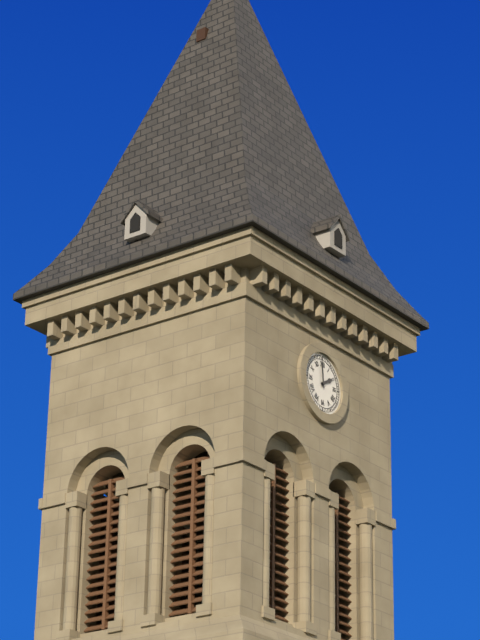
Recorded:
1.59
